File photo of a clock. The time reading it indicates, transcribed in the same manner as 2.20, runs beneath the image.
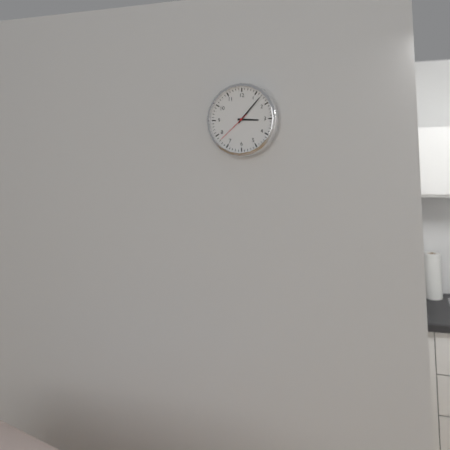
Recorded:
3.07
